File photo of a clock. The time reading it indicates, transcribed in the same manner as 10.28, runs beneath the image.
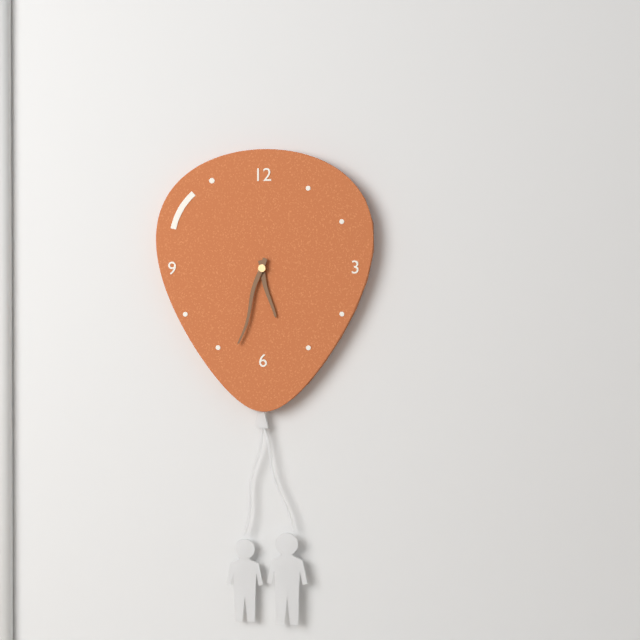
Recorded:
5.33
